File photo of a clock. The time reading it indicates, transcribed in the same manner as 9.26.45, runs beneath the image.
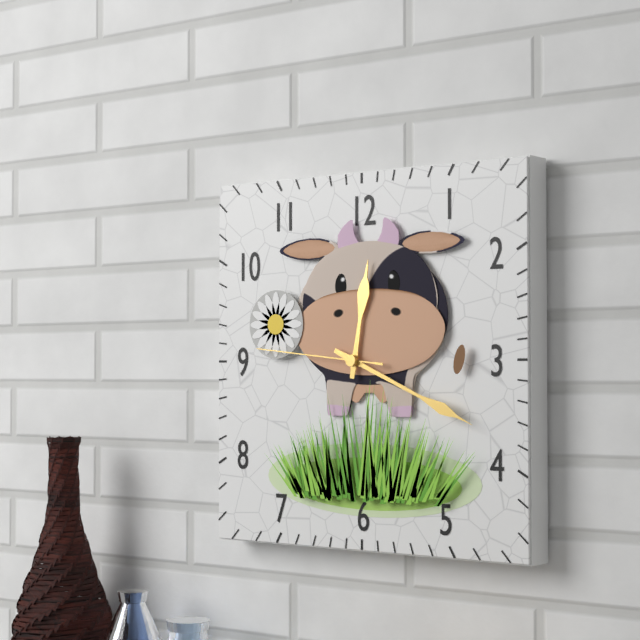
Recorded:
12.19.46
